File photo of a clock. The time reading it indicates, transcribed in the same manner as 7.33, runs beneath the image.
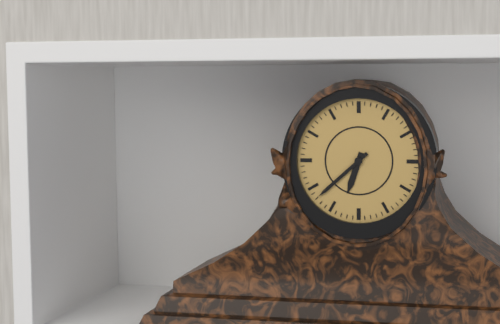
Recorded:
6.38
